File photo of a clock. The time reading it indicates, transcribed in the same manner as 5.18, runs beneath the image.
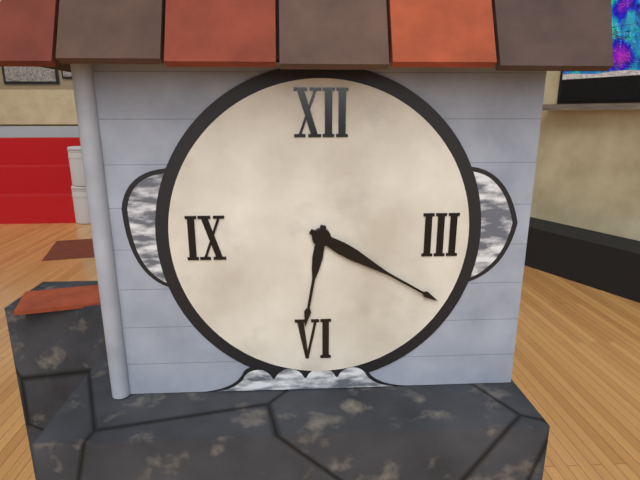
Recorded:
6.20
